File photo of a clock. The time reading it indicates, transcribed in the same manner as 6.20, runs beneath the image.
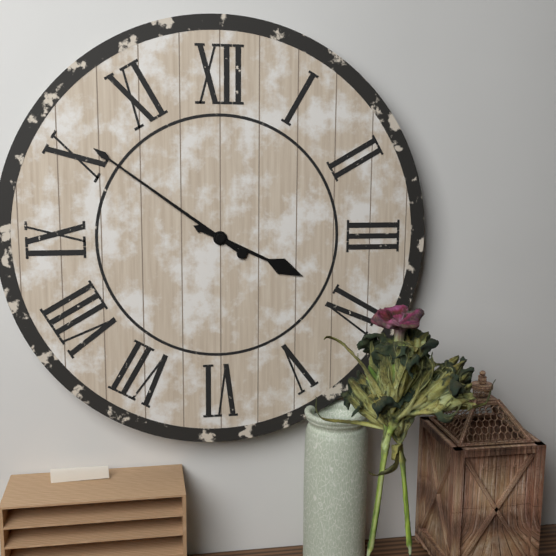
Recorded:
3.51
